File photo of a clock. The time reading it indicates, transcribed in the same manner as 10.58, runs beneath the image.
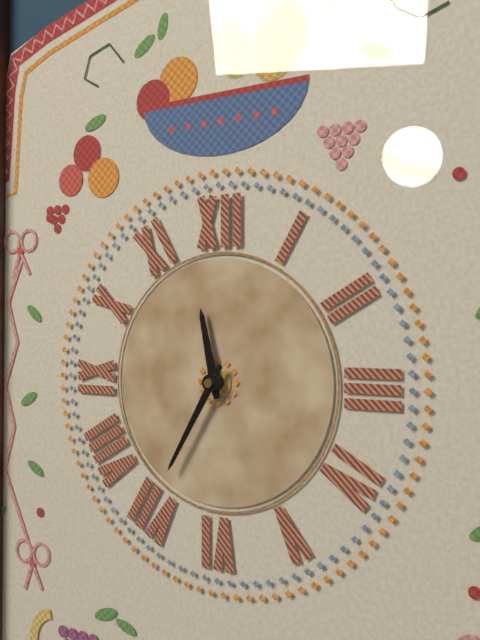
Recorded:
11.35
